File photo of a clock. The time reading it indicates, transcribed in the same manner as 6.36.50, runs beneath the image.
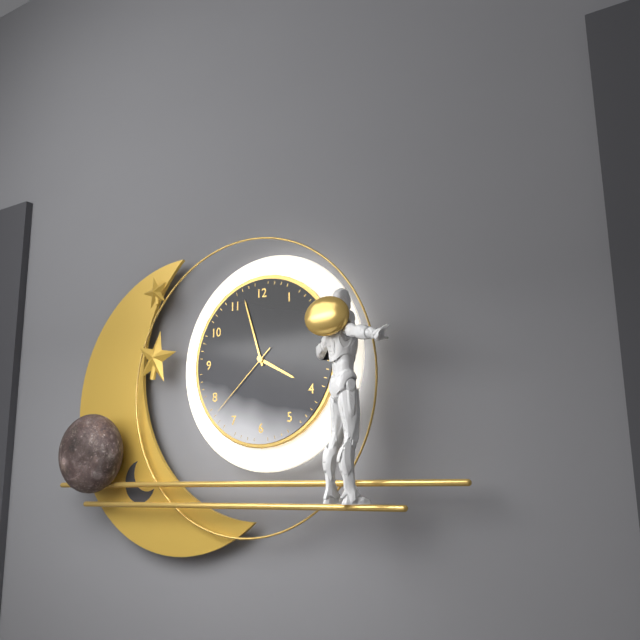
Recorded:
3.57.38
